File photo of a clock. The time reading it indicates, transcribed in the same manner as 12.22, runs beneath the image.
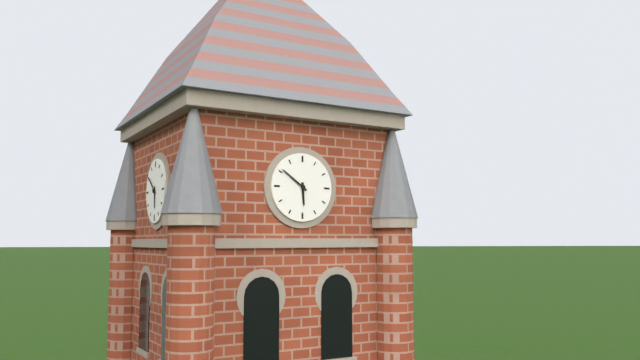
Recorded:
5.51
